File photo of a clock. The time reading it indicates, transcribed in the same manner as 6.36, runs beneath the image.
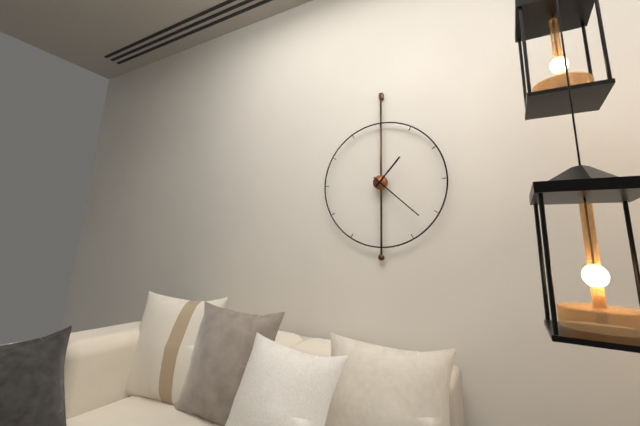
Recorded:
1.22
